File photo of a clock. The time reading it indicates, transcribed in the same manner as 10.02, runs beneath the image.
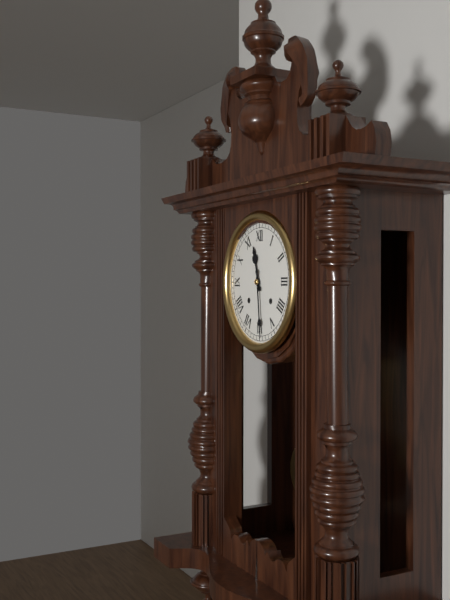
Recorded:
11.29
